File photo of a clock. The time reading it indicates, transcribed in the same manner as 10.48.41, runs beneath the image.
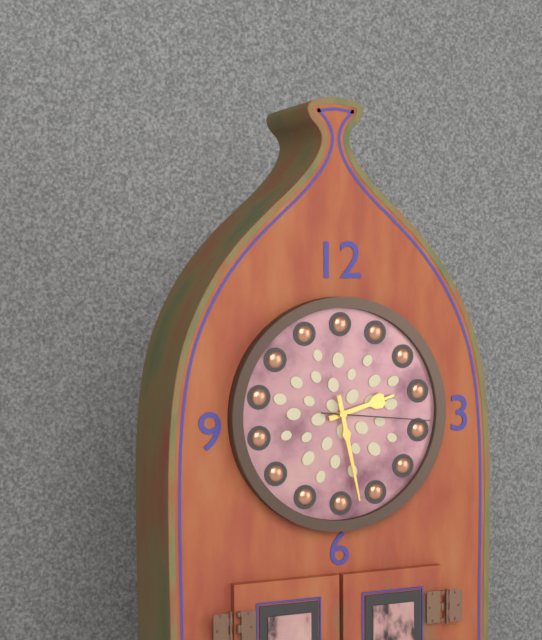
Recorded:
2.28.16
